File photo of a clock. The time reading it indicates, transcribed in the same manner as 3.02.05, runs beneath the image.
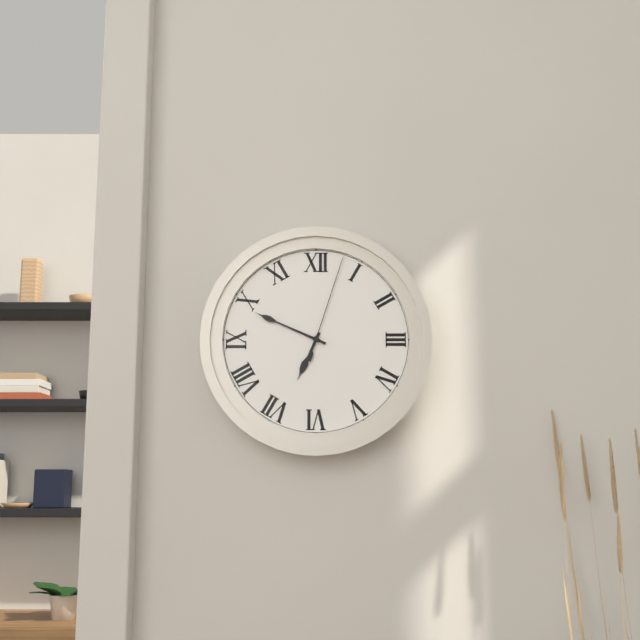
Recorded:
6.49.03
